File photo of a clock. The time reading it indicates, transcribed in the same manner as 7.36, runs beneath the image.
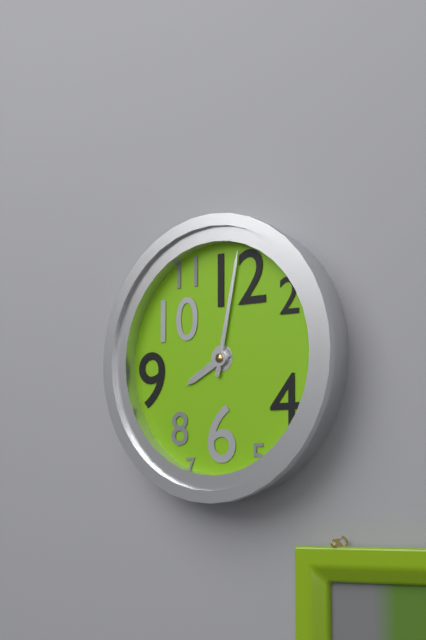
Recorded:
8.02
